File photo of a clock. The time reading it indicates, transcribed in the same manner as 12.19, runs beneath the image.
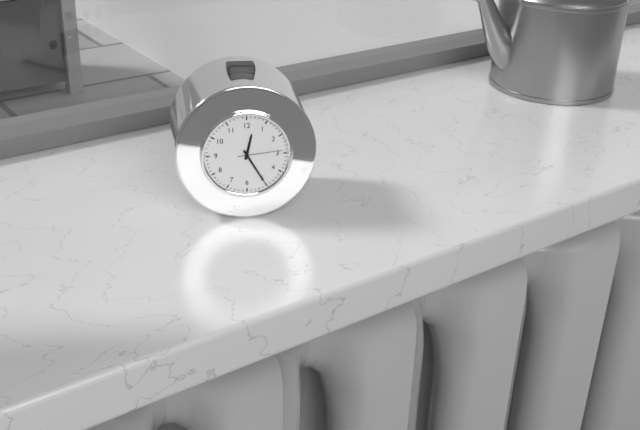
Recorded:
12.25
